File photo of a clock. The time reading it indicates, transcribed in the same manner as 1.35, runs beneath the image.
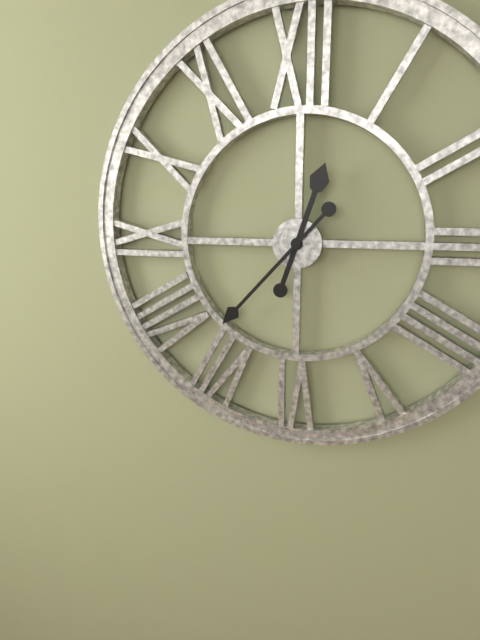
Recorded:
12.37
